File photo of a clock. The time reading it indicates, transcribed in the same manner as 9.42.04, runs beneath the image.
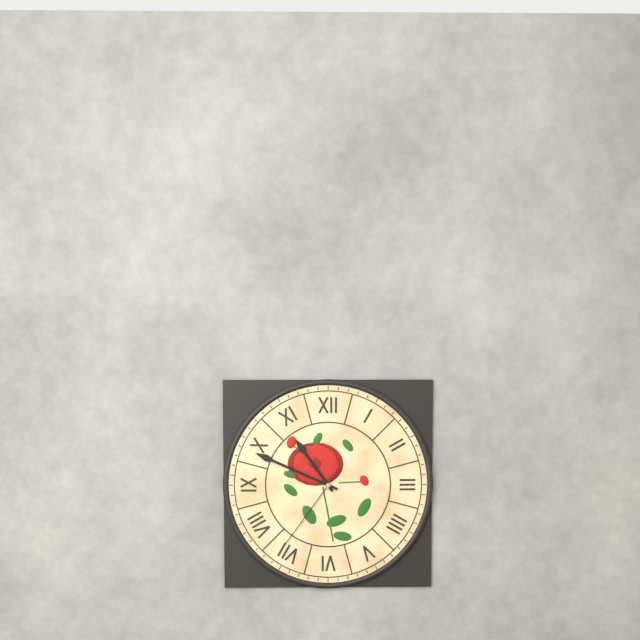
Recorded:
10.49.36
